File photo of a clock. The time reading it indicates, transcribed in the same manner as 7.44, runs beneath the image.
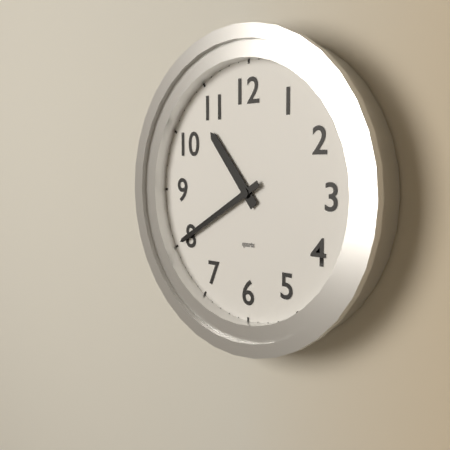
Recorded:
10.40
